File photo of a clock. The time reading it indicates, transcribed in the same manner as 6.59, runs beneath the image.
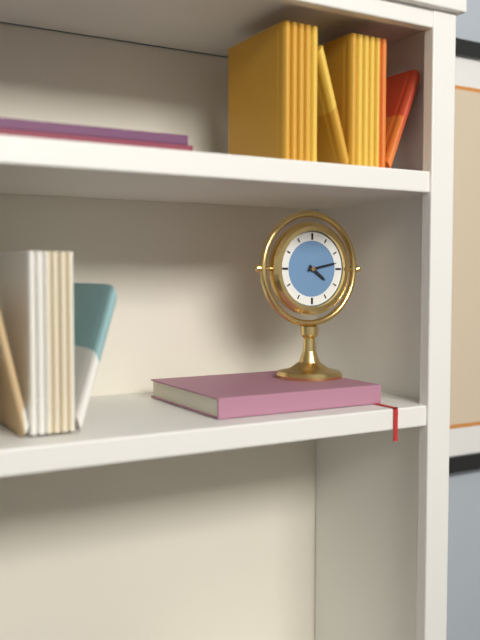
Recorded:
4.13
